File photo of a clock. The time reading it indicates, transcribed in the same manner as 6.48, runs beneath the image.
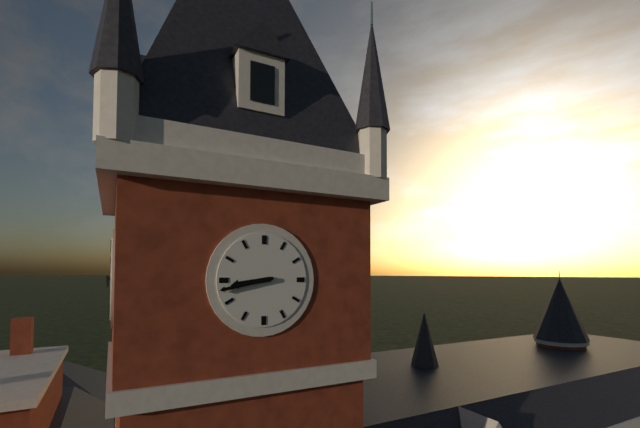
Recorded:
8.43
